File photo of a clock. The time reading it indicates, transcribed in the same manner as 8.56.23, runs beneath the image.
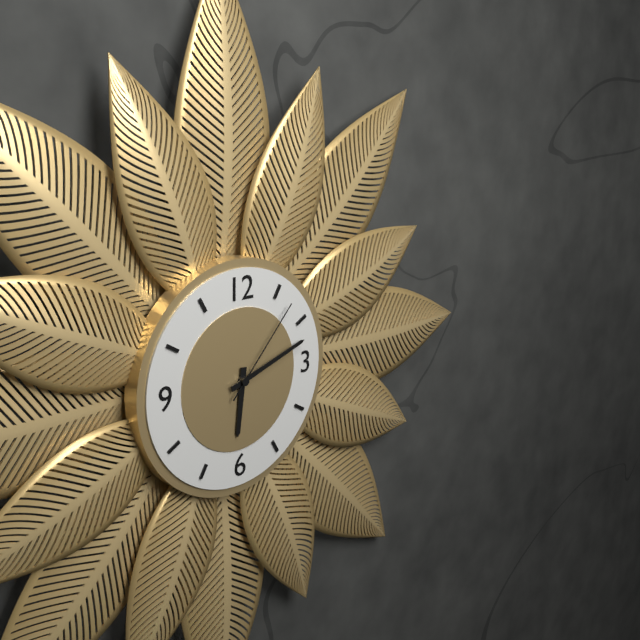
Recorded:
6.12.07
